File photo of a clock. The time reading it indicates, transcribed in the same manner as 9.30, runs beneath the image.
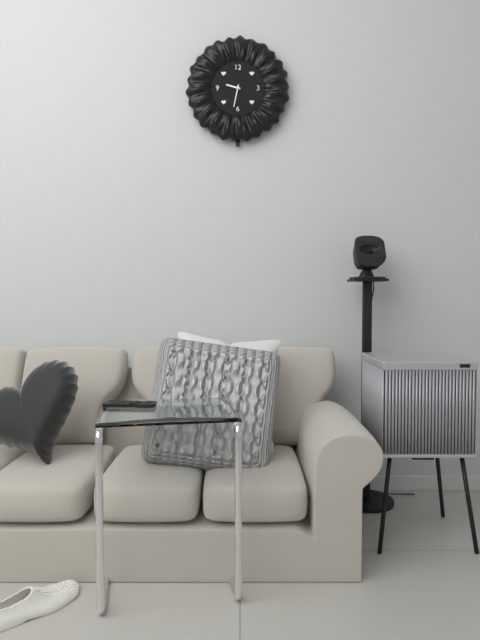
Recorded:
9.32
